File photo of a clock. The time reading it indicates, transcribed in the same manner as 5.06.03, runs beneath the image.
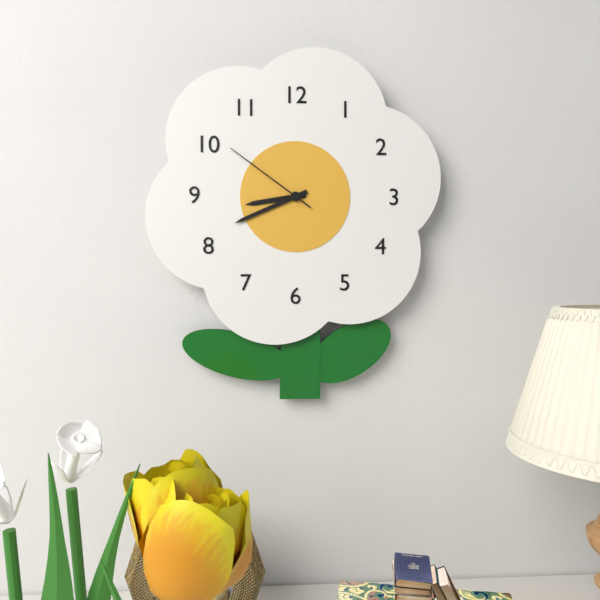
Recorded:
8.41.51
